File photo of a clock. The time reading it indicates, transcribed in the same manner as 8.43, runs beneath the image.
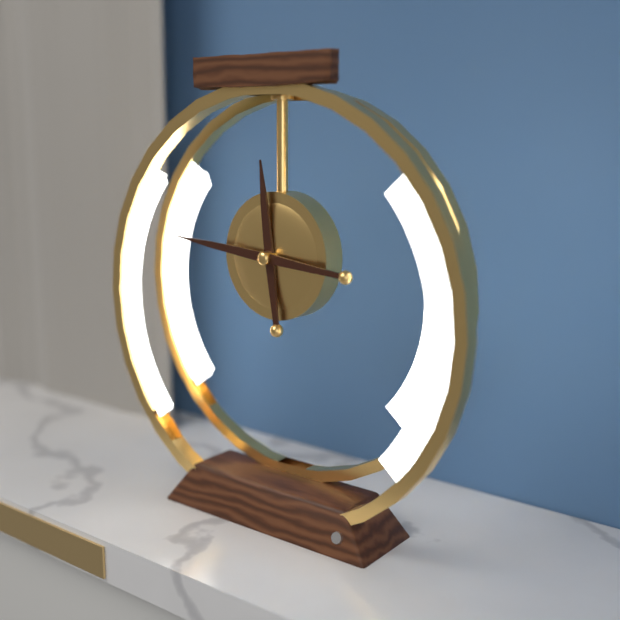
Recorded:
11.46
